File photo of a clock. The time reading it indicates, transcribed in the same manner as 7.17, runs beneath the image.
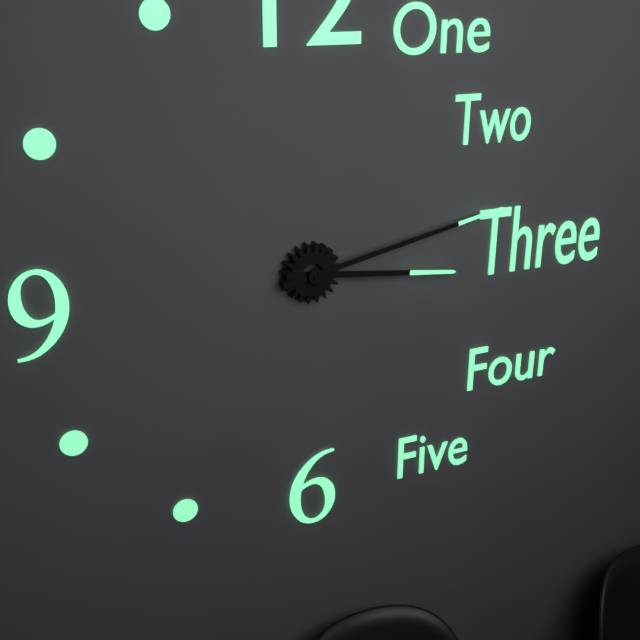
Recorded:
3.13
